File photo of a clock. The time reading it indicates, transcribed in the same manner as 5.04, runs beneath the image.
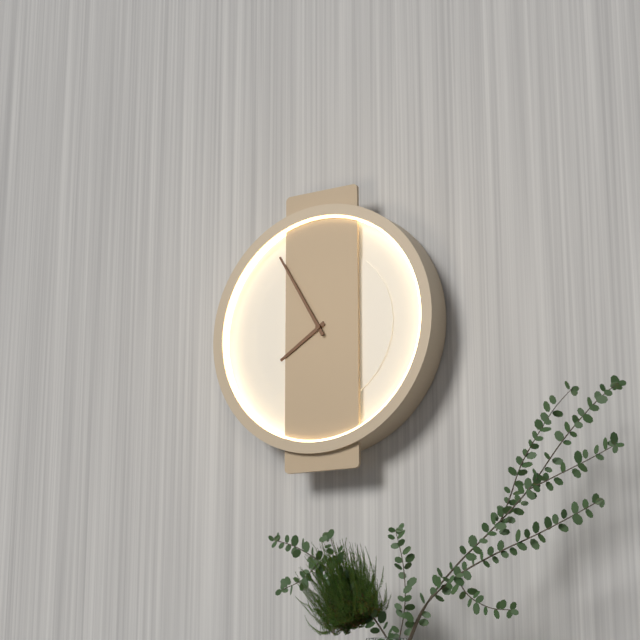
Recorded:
7.55
